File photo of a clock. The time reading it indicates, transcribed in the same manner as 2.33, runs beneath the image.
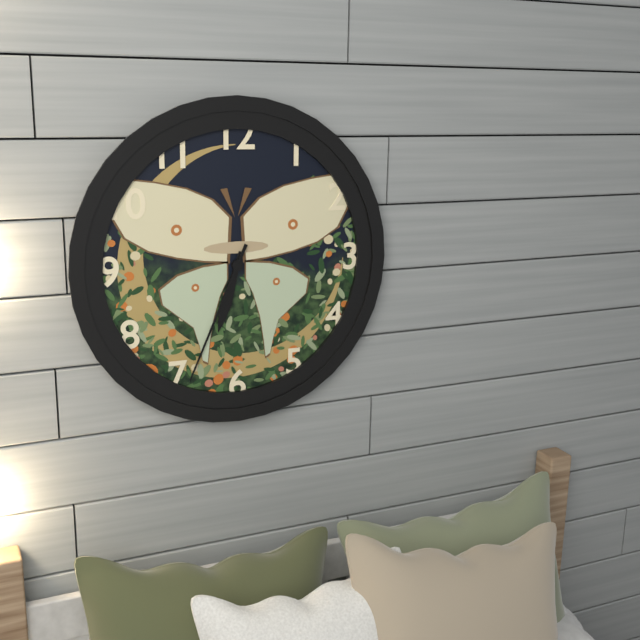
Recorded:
6.34
